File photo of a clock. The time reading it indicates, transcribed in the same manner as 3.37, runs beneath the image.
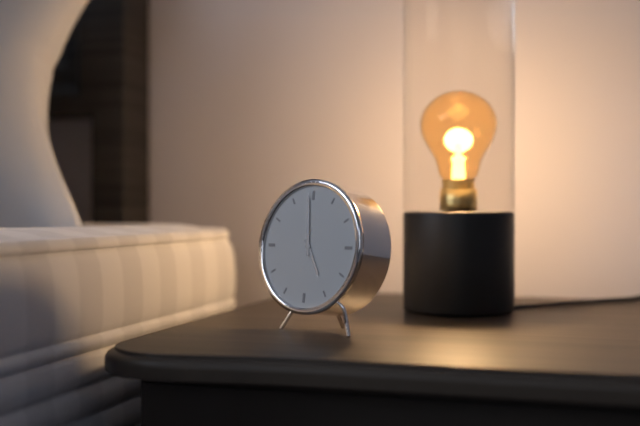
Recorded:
4.59
